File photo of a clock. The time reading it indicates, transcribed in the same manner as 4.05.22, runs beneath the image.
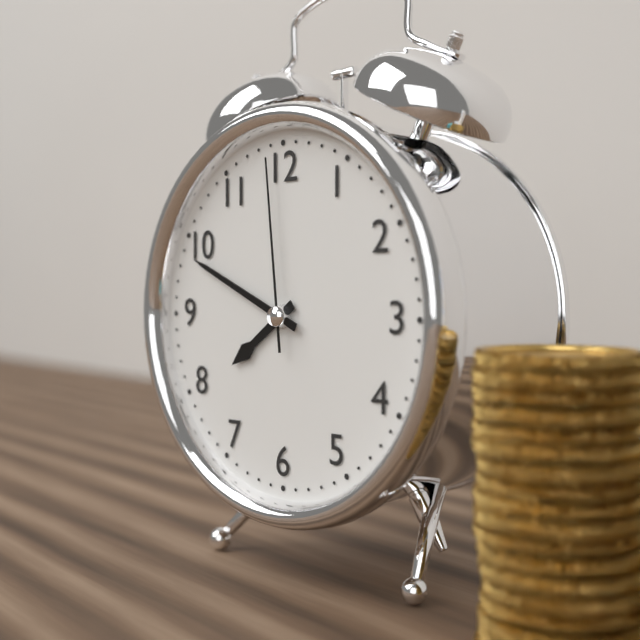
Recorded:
7.49.59
